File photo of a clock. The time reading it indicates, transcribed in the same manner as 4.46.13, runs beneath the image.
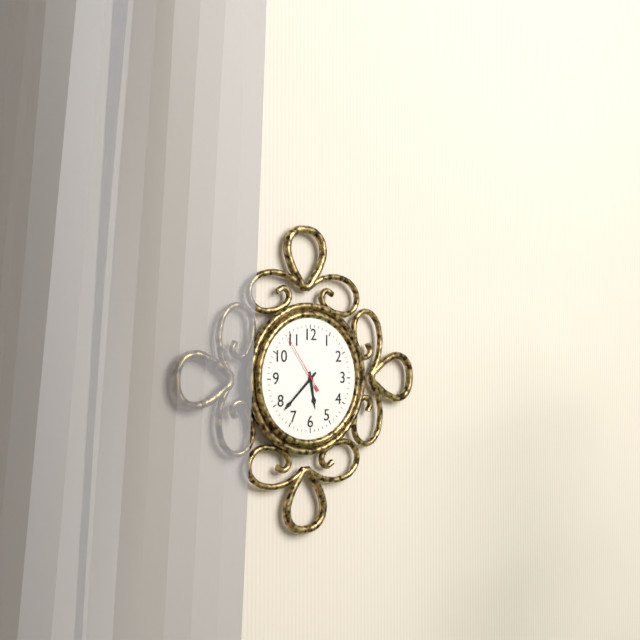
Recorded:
5.38.54
